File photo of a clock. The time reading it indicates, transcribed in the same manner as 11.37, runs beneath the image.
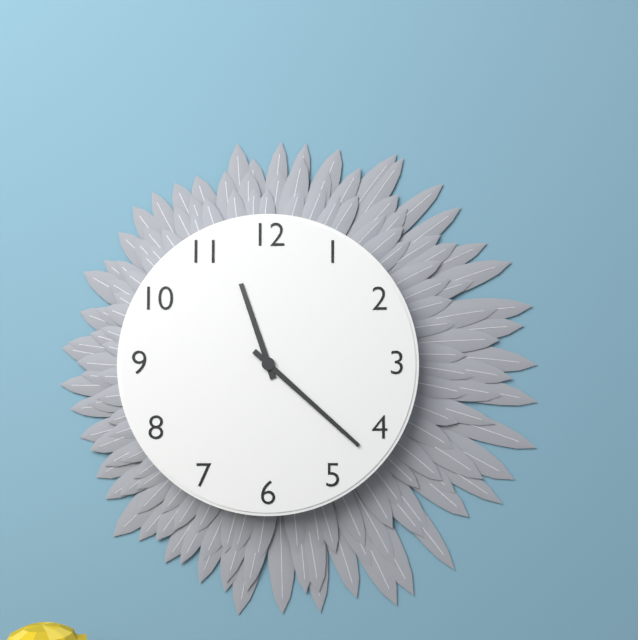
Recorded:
11.22
